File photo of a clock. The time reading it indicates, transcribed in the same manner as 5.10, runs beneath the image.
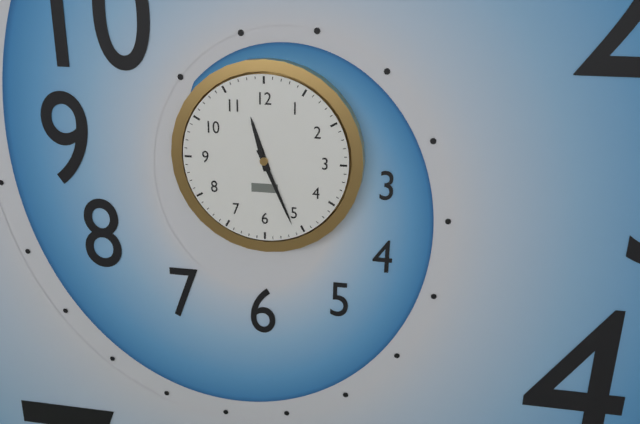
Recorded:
11.26
